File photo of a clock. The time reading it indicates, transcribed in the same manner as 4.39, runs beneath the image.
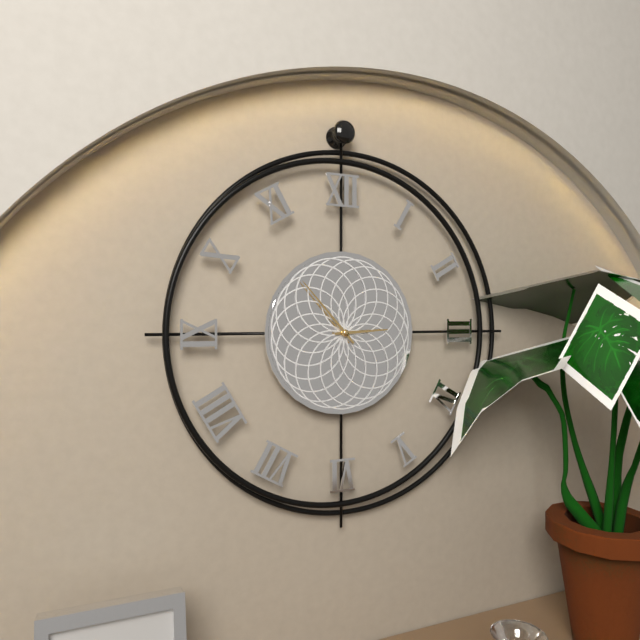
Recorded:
2.53
